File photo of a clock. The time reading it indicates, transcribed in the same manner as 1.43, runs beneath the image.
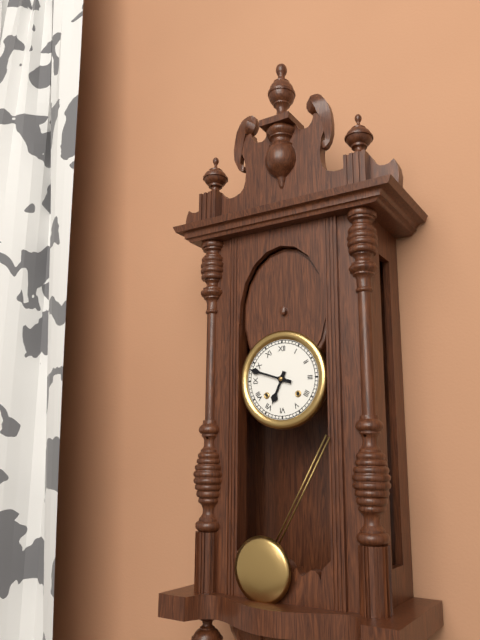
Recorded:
6.48
